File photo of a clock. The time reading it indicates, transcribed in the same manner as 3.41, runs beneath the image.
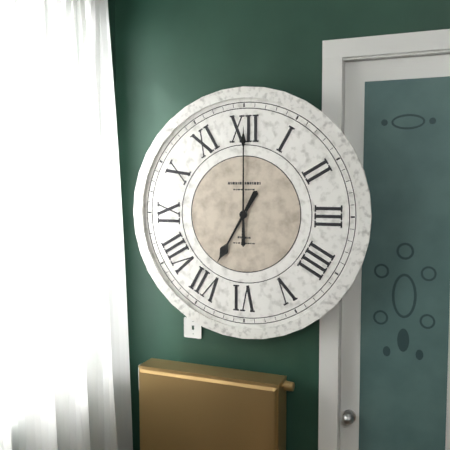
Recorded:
7.00
